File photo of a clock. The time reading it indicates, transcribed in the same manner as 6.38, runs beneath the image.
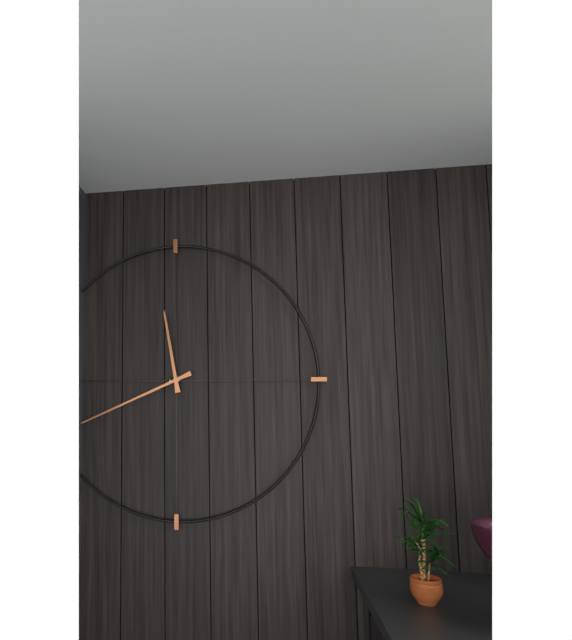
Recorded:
11.41
